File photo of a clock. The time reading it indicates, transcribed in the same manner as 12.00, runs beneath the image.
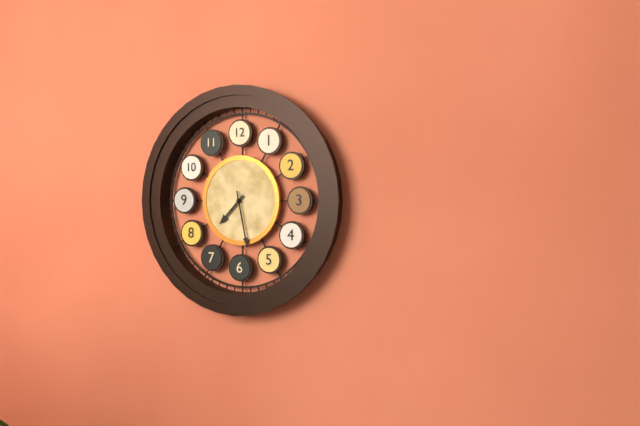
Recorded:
7.28
